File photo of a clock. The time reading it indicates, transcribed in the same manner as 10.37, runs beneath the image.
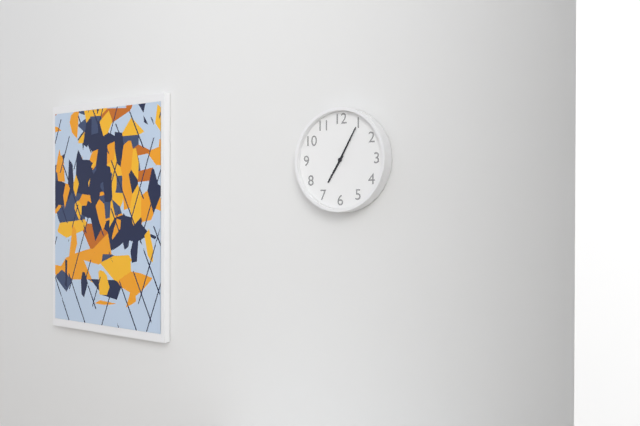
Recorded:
7.05
